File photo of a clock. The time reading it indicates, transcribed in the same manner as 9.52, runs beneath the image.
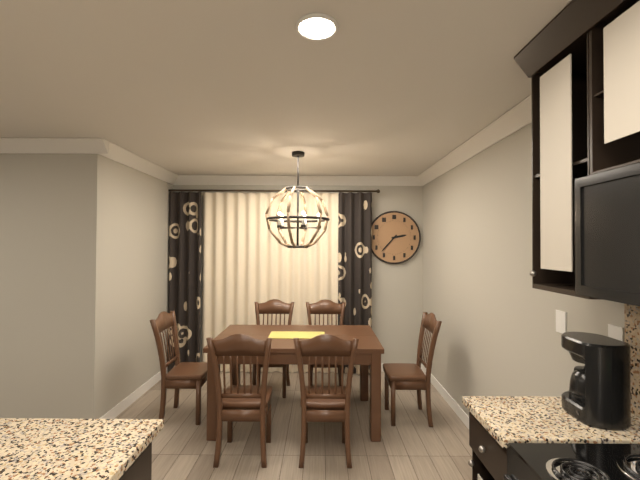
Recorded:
2.37
